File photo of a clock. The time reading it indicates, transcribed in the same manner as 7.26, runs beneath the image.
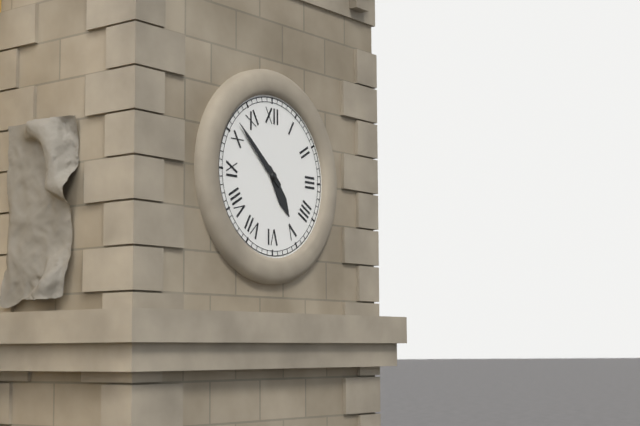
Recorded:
4.52
